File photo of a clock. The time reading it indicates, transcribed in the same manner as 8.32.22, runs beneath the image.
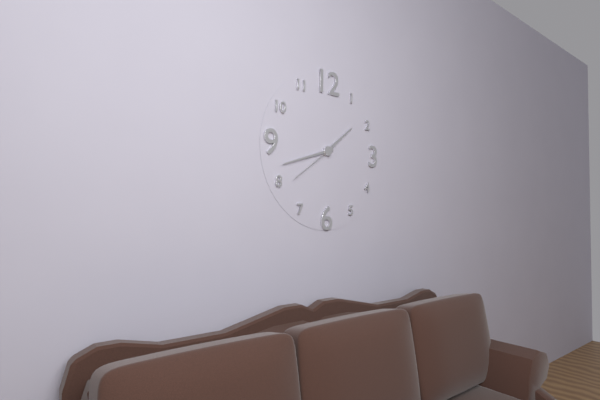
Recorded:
1.42.39
